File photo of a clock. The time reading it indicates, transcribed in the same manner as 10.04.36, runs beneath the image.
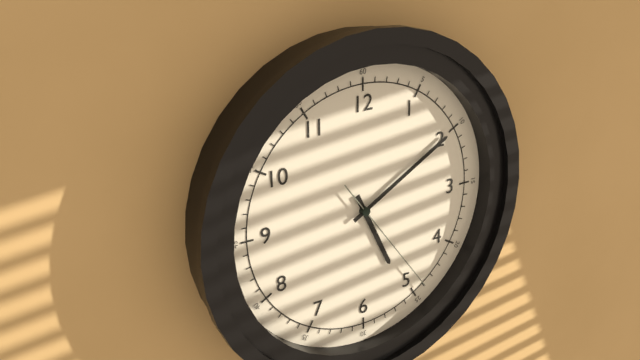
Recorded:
5.10.24
